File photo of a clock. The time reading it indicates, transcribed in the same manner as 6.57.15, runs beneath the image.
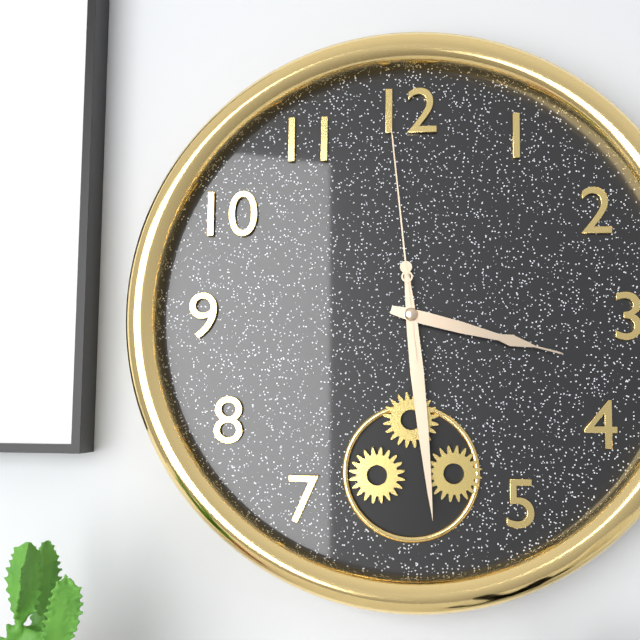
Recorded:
3.29.59
